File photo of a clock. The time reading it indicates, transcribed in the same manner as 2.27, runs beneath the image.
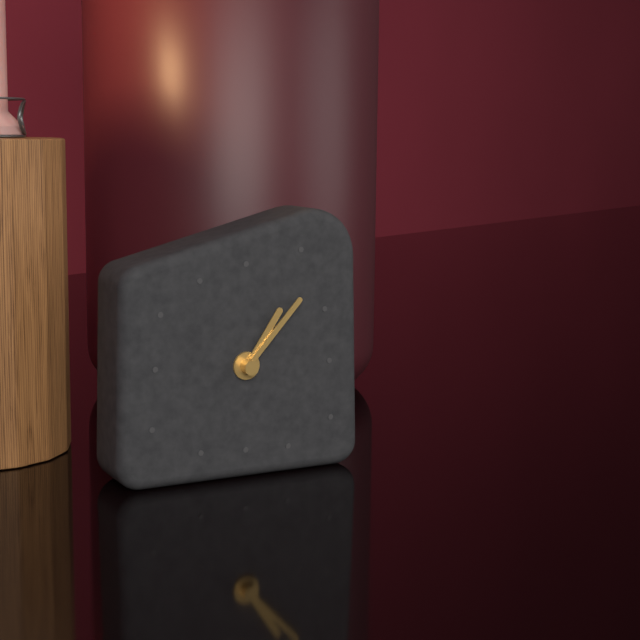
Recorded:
1.07
